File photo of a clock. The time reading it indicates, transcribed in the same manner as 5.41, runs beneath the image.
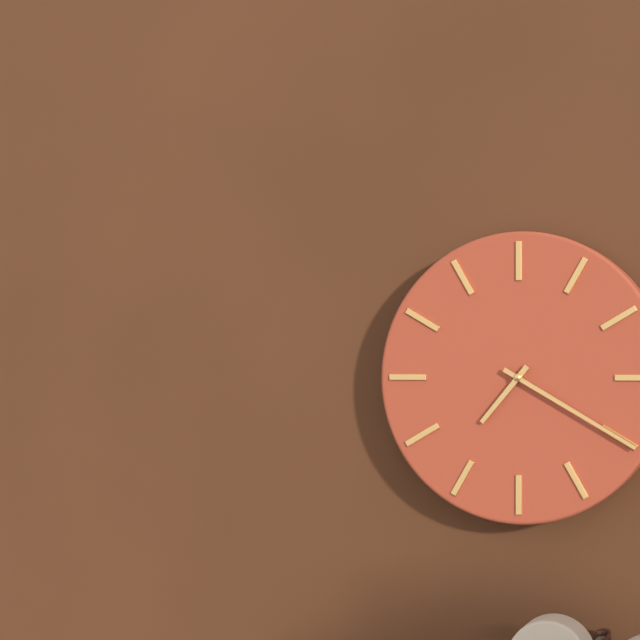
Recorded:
7.20
